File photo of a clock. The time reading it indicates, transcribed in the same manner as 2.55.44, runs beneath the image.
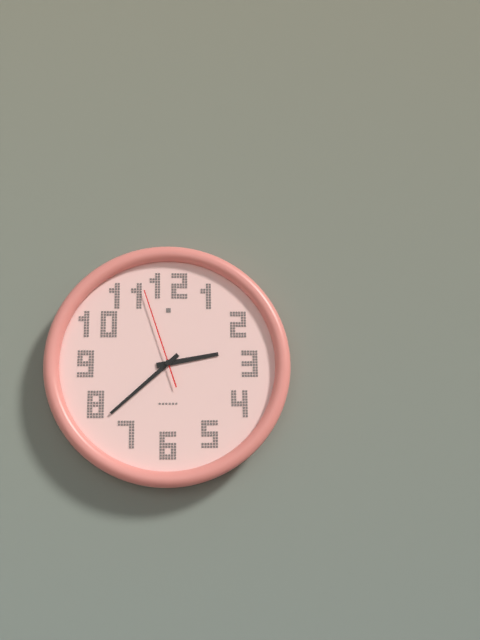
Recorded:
2.38.57
